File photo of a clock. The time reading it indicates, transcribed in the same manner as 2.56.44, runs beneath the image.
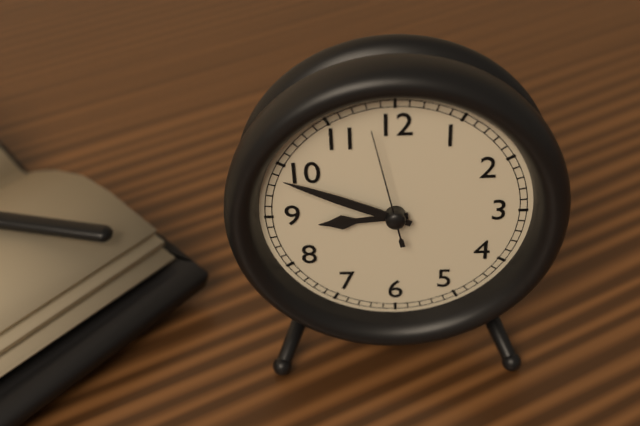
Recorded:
8.49.58
